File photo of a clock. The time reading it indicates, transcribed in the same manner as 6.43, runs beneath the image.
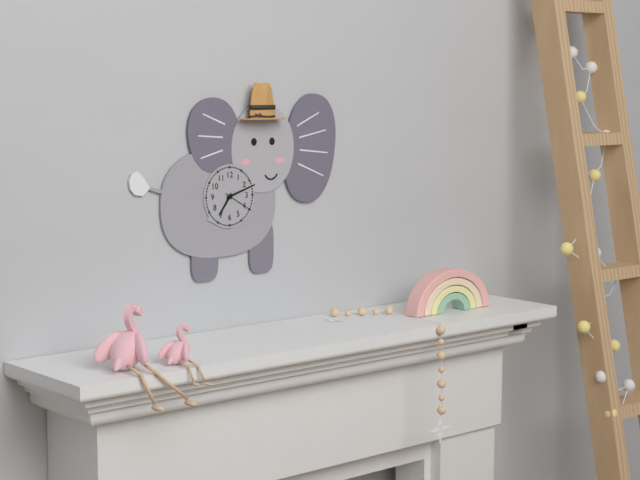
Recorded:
7.12
